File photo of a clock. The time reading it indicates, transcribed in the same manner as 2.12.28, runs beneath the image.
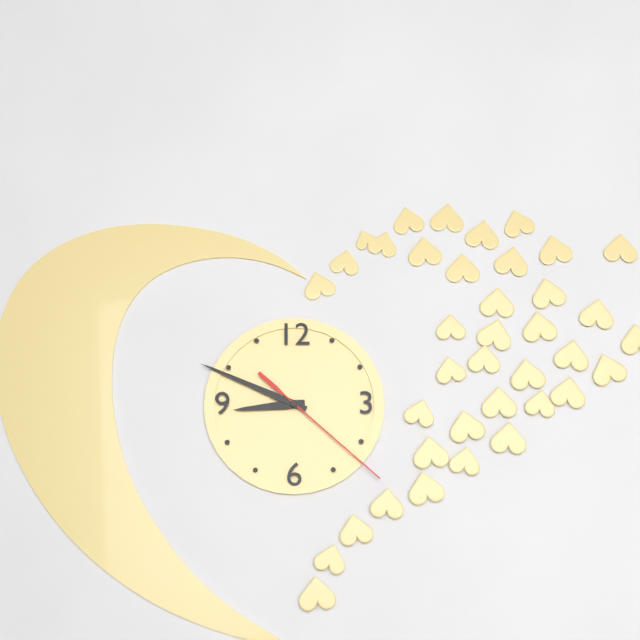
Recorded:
8.49.22
